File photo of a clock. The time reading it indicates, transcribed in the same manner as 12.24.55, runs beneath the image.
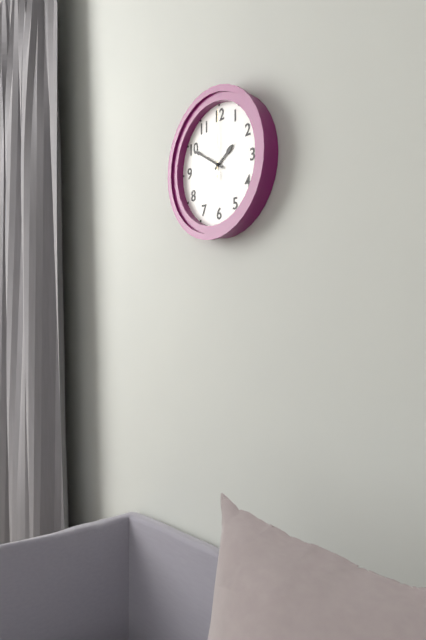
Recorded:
1.50.00
